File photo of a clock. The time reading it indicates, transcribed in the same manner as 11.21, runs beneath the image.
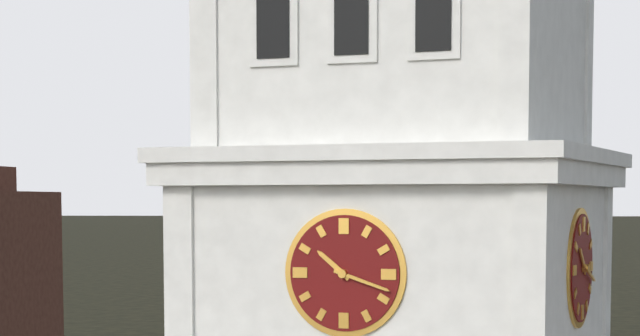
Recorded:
10.18
